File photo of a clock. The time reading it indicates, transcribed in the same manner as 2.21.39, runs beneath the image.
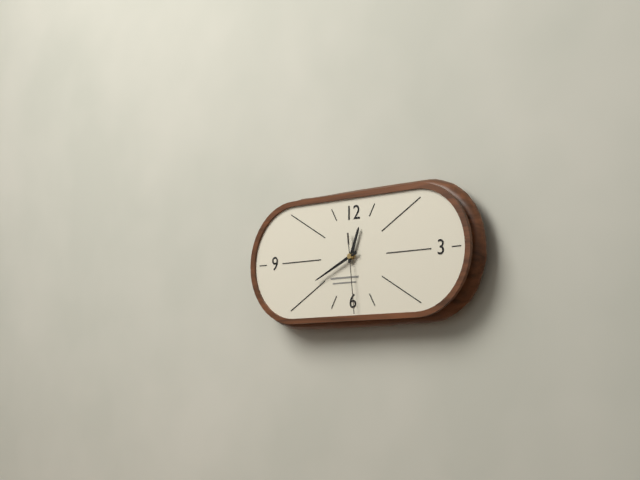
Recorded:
12.41.29
